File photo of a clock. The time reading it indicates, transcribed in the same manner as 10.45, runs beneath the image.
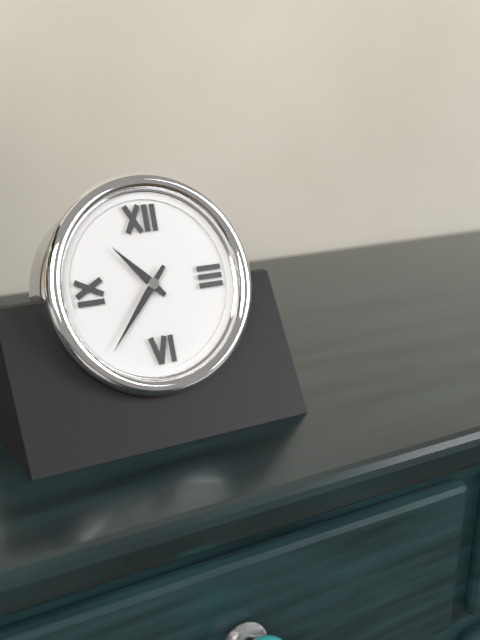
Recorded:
10.37
